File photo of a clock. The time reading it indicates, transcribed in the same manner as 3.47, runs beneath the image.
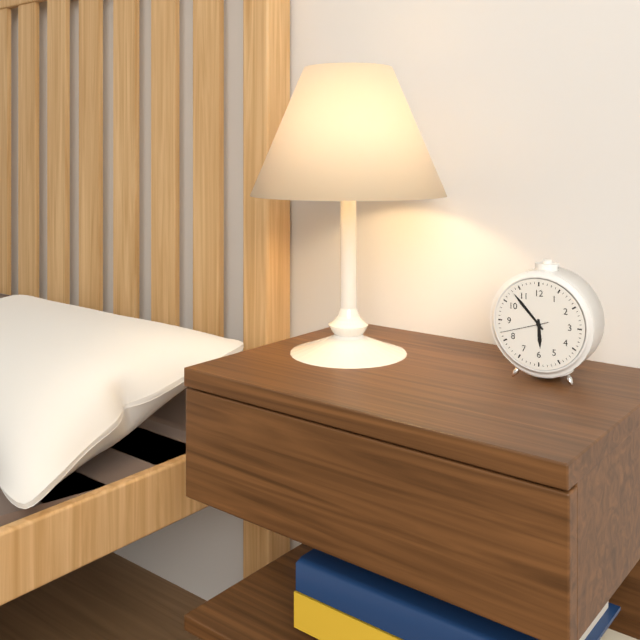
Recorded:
5.53
